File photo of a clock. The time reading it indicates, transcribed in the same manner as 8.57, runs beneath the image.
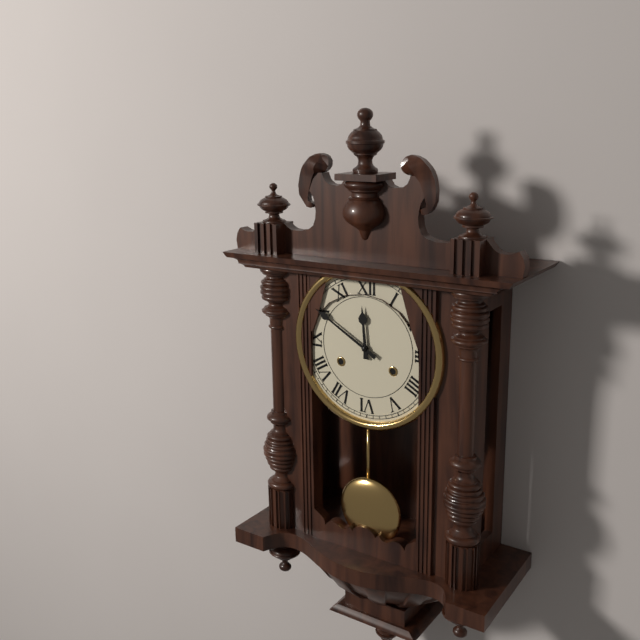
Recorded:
11.50
